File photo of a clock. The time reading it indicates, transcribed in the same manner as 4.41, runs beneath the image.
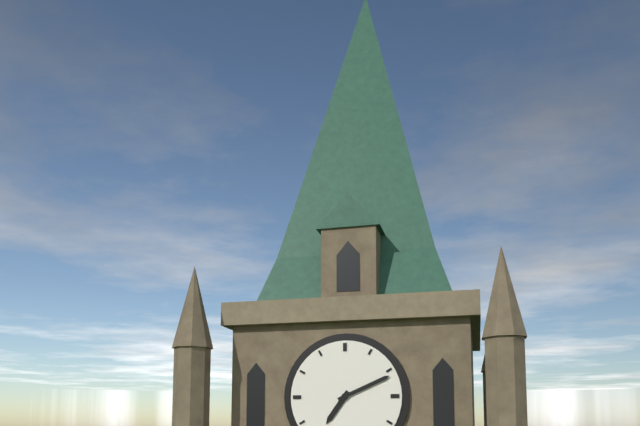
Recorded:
7.11
